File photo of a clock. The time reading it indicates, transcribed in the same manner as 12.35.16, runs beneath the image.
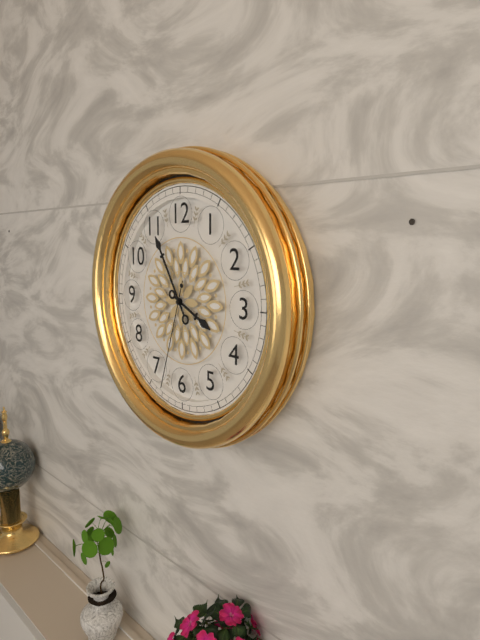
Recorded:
3.55.33
